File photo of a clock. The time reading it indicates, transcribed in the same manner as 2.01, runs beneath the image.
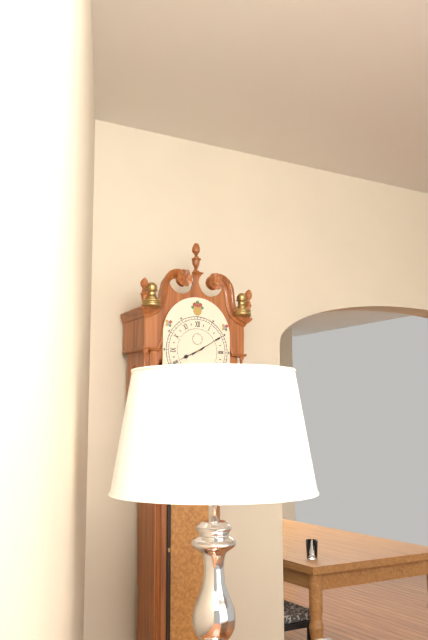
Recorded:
8.10
